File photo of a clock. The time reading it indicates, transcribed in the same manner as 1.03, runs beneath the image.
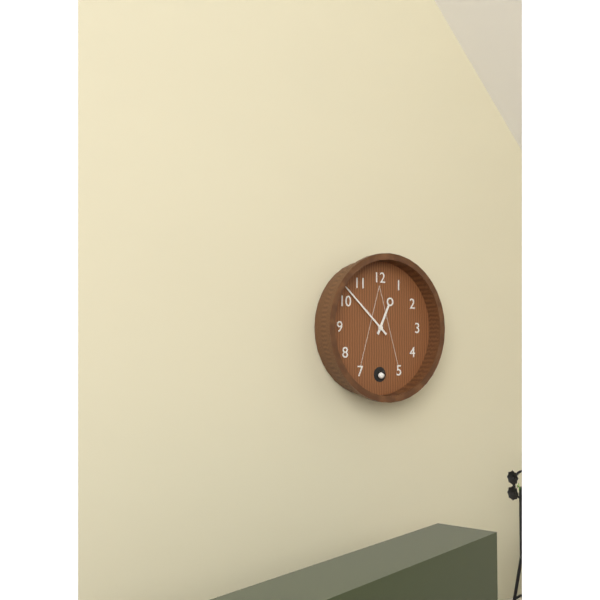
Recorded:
12.52
